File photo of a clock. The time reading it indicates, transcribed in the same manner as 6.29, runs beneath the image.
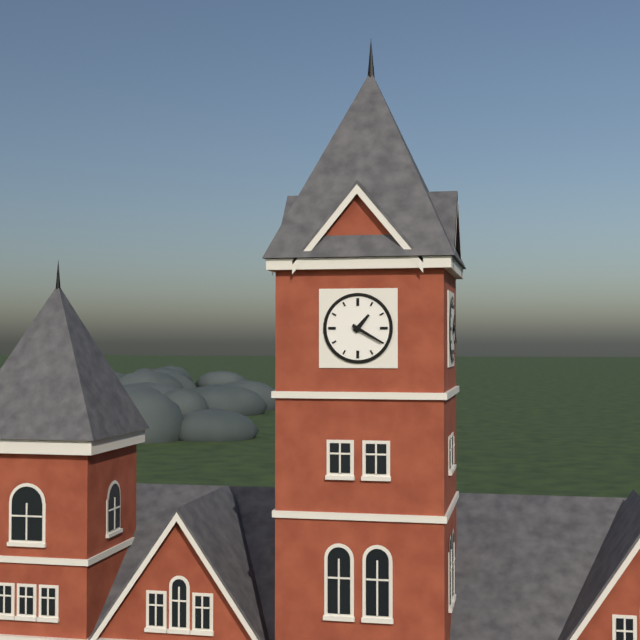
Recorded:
1.20
